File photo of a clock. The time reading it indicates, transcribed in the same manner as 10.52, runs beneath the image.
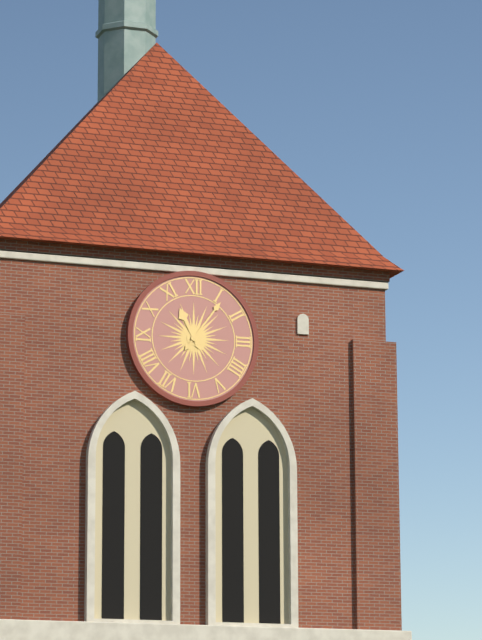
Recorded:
11.06
